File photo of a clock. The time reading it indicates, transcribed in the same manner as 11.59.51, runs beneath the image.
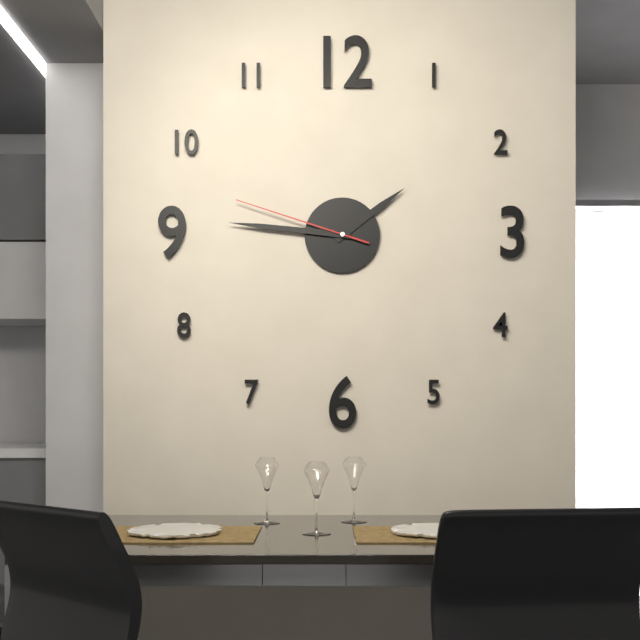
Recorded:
1.46.48
